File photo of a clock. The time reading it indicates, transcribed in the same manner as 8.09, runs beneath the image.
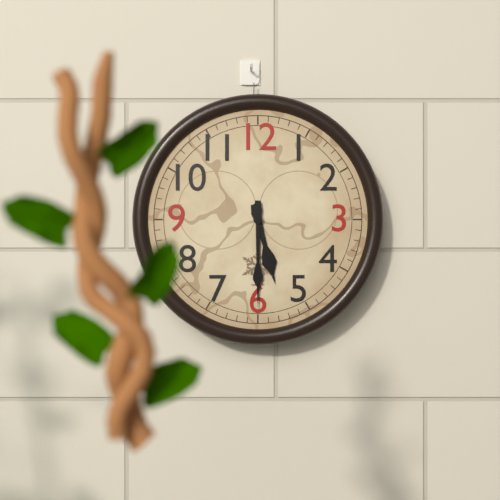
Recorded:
5.30
